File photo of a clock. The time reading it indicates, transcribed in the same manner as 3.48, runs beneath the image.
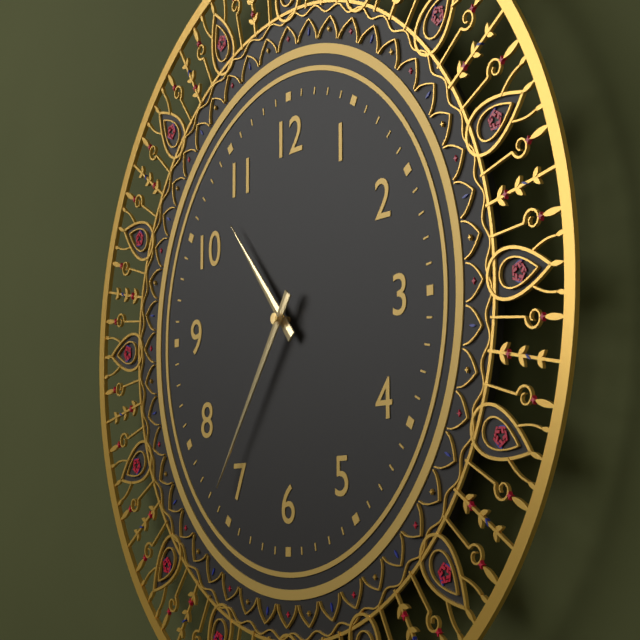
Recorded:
10.36
